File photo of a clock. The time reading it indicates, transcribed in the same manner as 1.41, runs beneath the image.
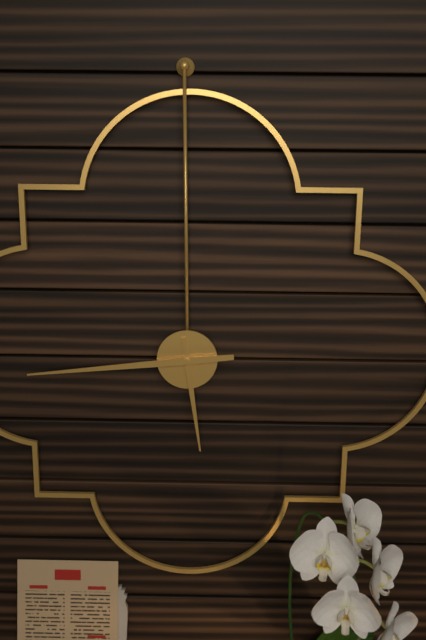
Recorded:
5.44
